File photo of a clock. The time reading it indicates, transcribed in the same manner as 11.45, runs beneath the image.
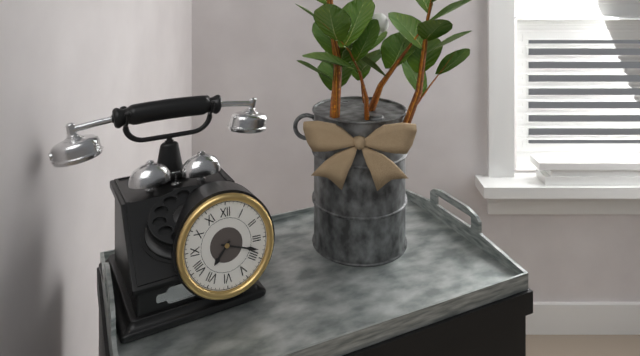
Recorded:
7.18
